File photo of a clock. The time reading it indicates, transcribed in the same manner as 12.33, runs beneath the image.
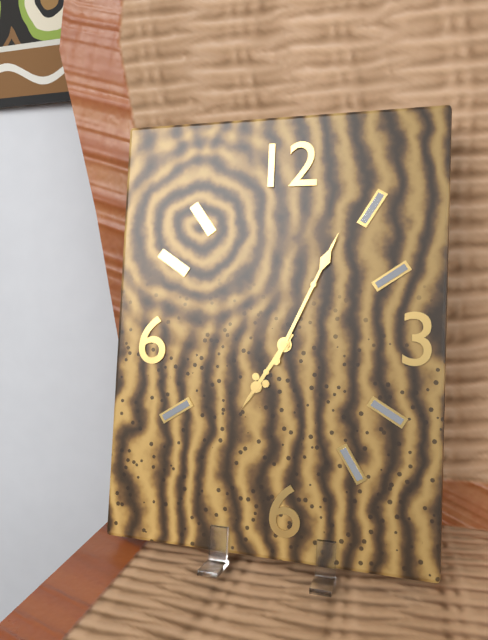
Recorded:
7.04
